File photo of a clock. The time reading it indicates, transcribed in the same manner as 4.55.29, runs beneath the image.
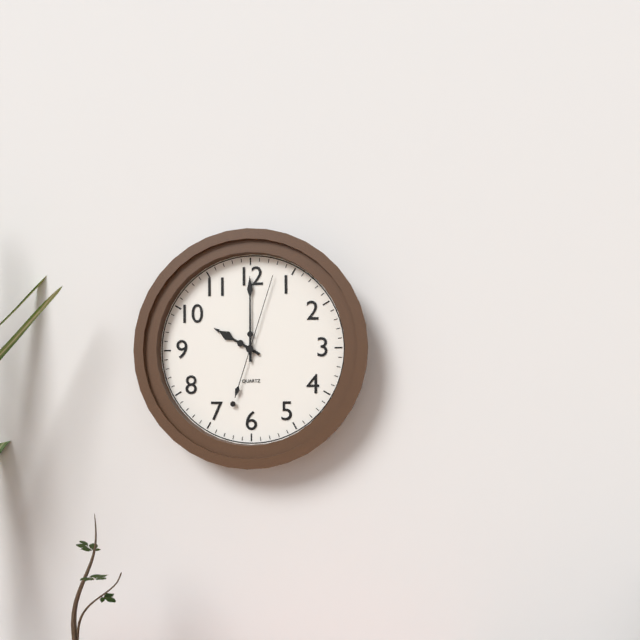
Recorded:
10.00.03
